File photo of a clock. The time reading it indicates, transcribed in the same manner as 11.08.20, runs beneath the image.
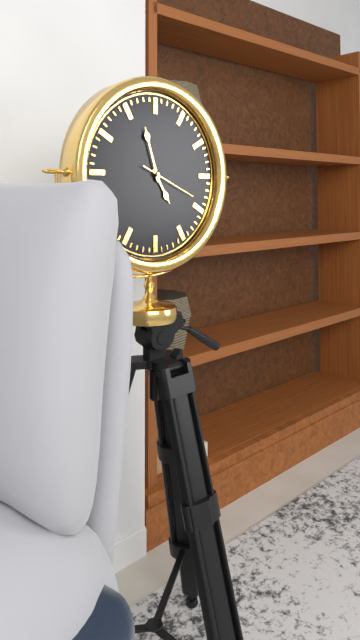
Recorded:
4.57.19
